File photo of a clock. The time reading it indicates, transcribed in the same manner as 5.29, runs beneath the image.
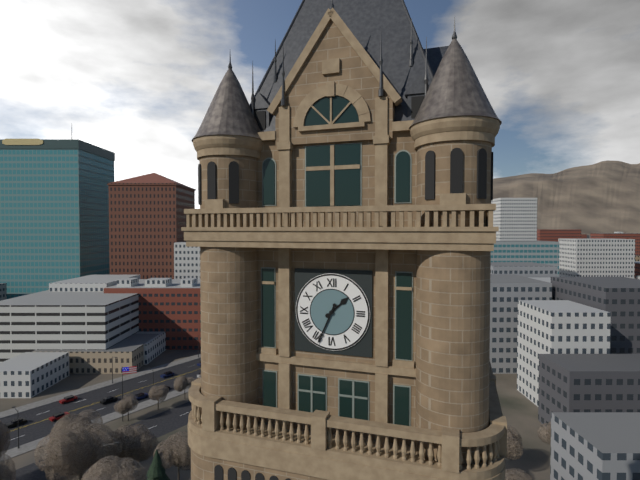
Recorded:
1.34
